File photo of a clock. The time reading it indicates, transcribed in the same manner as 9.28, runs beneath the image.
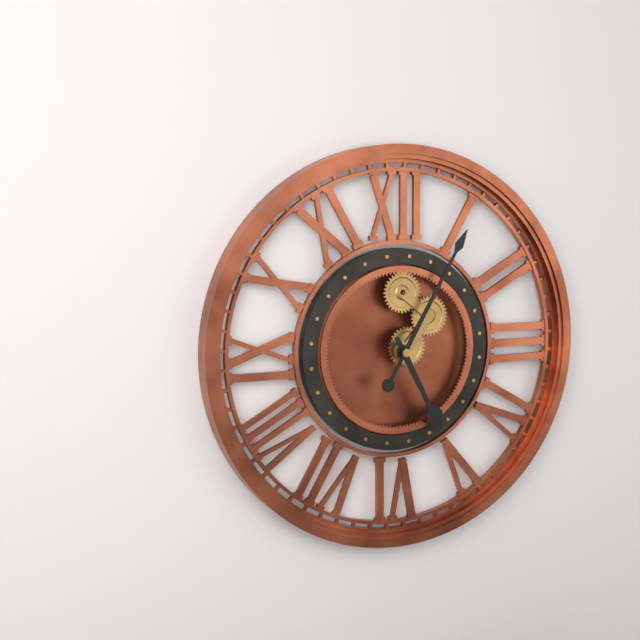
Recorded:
5.05
